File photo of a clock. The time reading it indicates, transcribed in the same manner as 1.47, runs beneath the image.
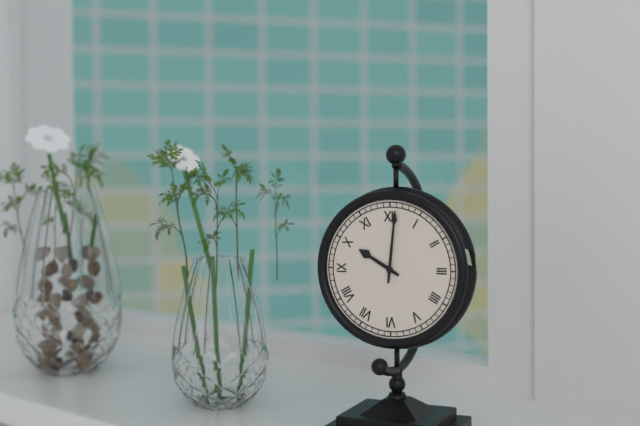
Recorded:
10.01
